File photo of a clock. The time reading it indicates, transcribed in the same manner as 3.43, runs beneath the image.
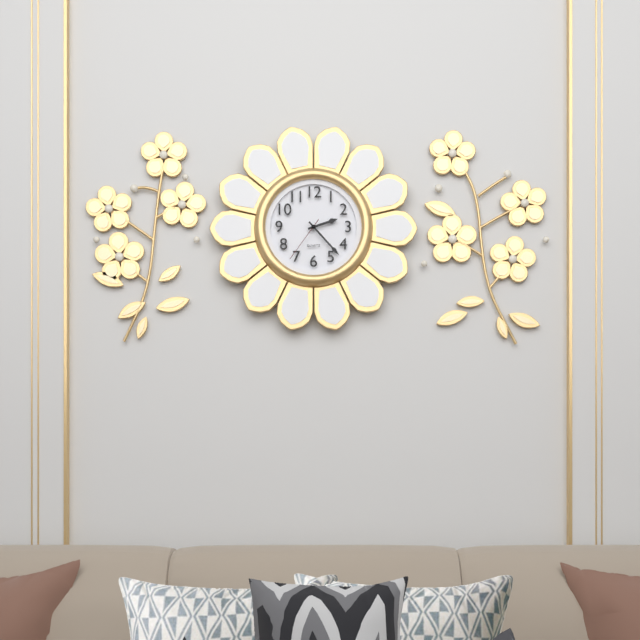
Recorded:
2.23
